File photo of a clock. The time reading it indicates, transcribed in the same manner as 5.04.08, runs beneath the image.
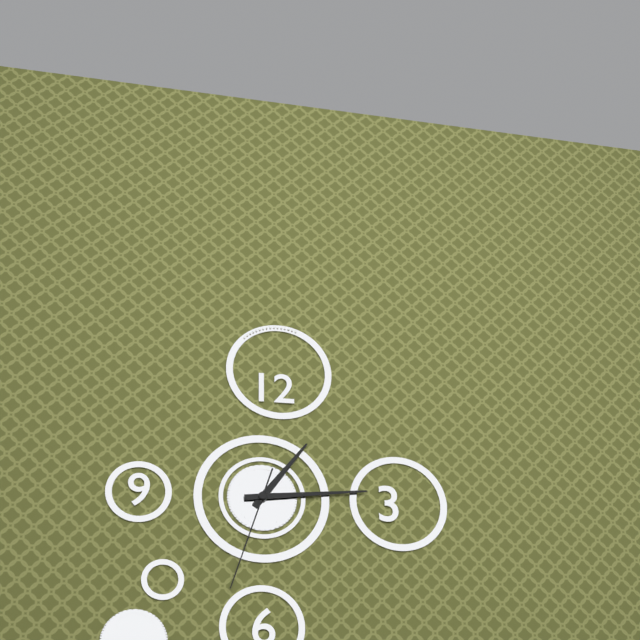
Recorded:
1.14.33
